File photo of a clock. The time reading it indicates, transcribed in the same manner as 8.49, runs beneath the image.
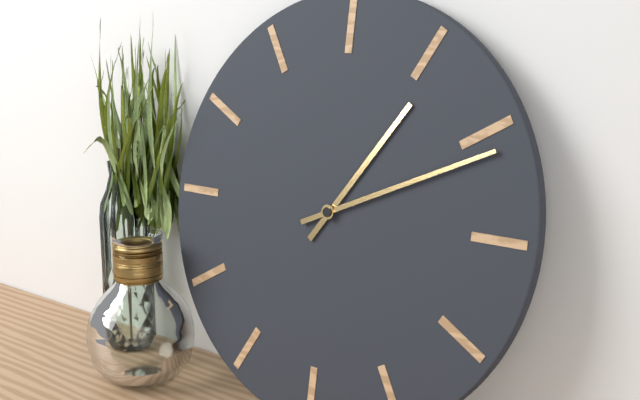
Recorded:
1.11
